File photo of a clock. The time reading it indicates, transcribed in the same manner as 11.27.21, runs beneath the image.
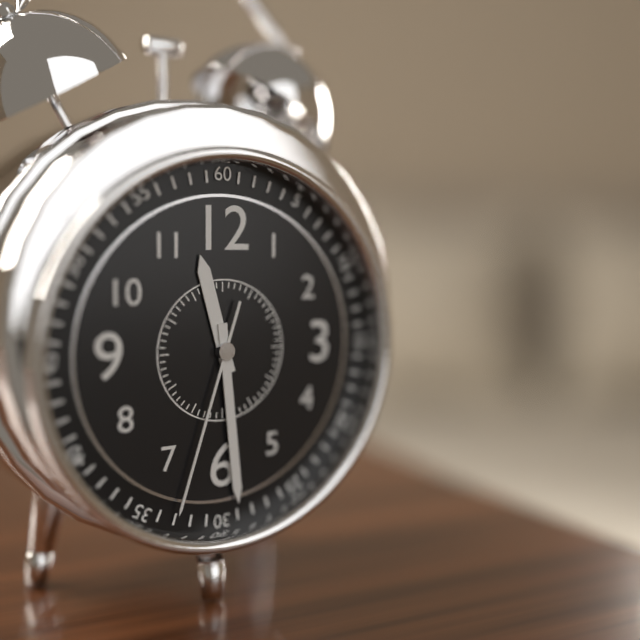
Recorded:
11.29.33
